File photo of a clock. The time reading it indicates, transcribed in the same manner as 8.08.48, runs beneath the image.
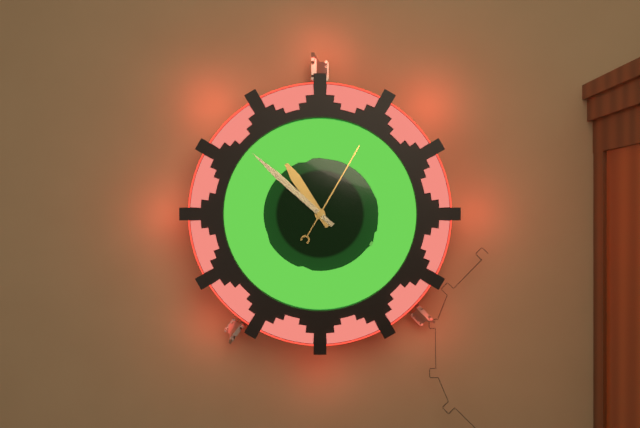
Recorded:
10.52.05
